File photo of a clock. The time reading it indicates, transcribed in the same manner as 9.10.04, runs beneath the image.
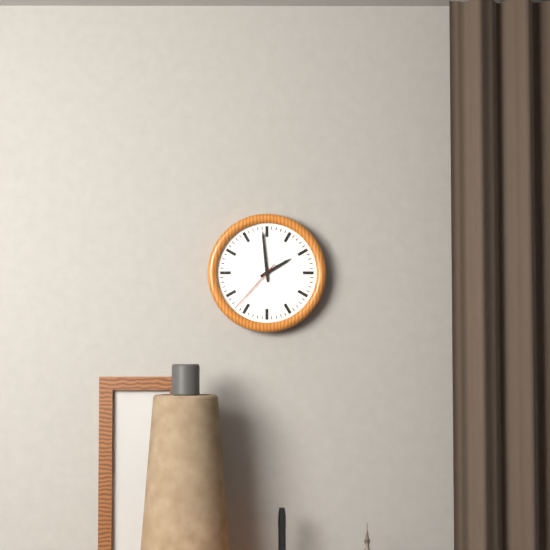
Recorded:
1.59.37
